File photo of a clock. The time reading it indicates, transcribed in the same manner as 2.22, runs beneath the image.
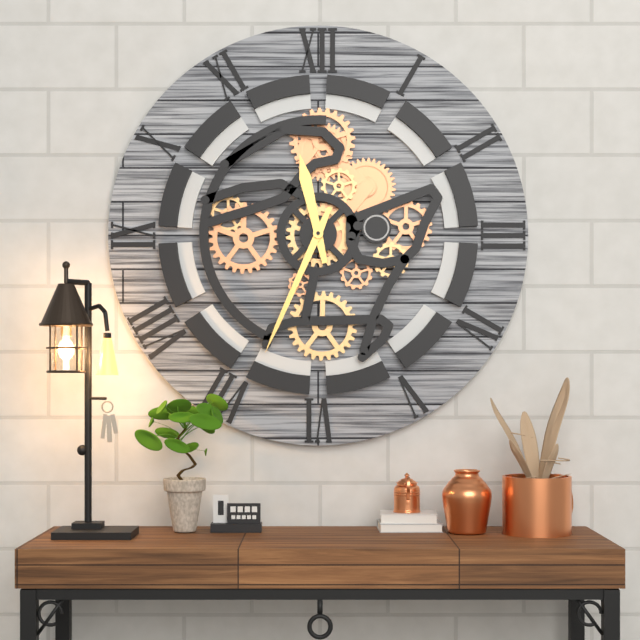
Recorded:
11.34
